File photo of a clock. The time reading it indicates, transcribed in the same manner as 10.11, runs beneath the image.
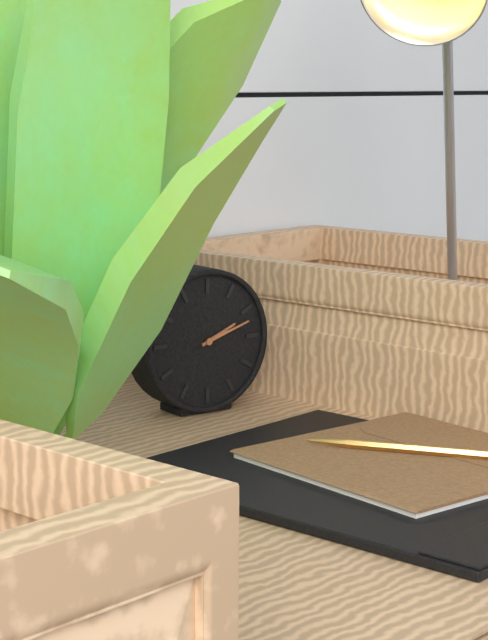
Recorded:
2.12
